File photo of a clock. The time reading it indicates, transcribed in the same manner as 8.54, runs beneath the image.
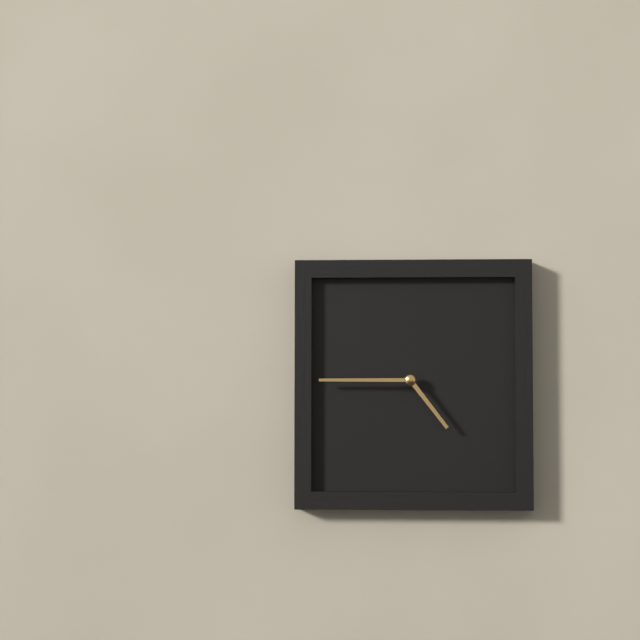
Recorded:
4.45
